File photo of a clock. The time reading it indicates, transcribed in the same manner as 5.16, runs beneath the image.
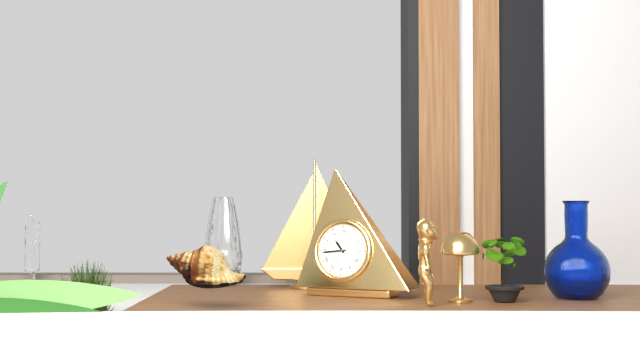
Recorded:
10.44
